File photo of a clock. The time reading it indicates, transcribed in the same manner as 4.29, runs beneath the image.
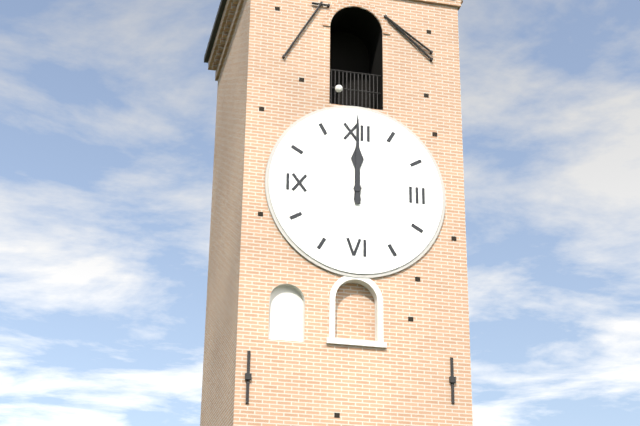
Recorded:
12.00
